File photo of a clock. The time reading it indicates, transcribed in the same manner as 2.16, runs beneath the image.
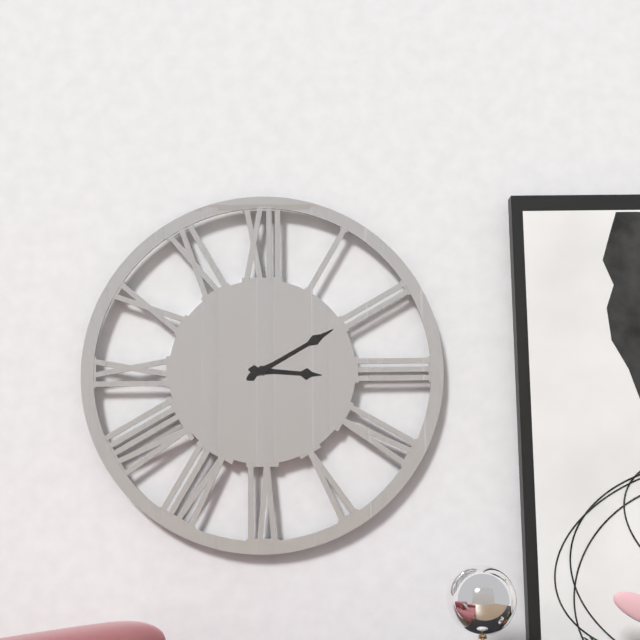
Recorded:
3.10
